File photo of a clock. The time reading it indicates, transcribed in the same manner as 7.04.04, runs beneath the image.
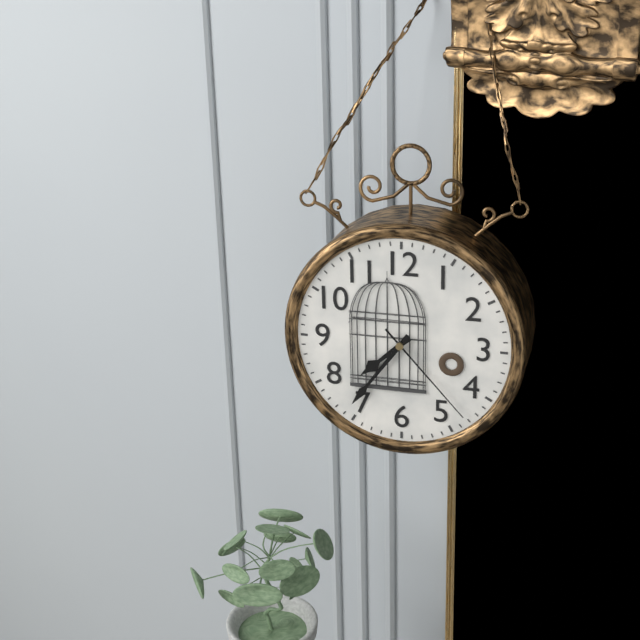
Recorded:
7.36.23
